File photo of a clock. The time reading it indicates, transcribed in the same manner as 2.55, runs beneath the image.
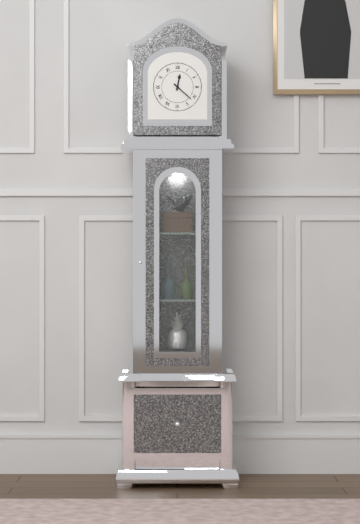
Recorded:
12.22
